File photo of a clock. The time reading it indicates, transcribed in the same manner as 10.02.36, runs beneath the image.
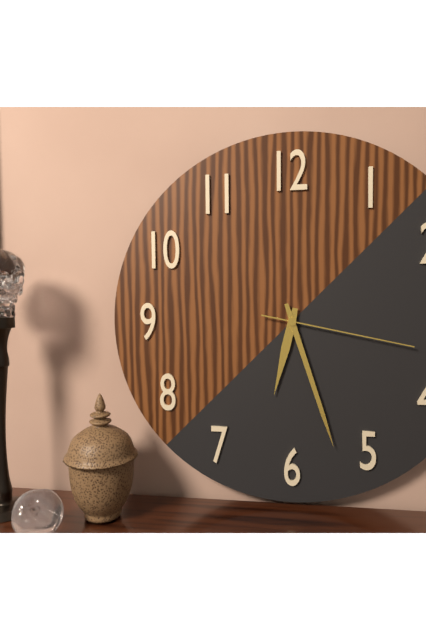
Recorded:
6.27.17
